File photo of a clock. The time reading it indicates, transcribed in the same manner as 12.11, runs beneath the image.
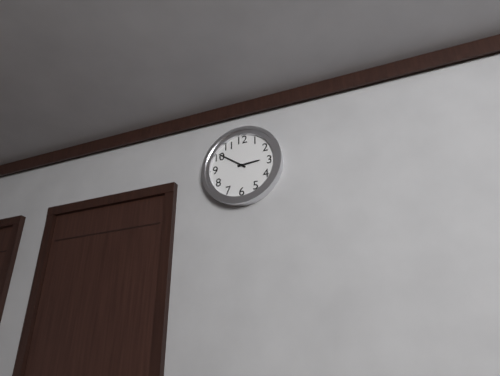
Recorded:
2.51
